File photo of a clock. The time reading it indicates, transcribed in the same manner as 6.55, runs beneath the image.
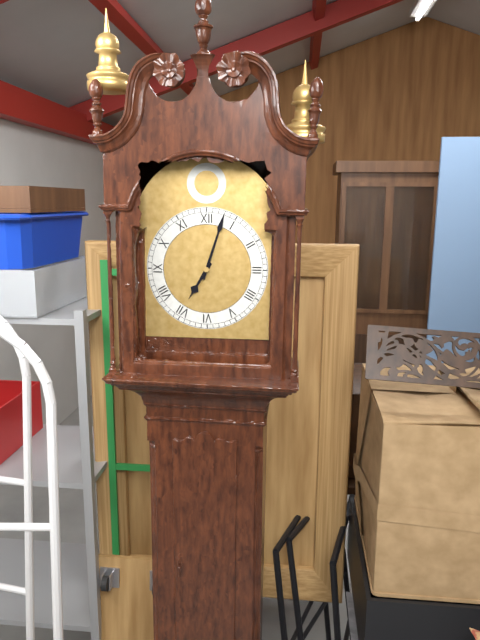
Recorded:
7.03
